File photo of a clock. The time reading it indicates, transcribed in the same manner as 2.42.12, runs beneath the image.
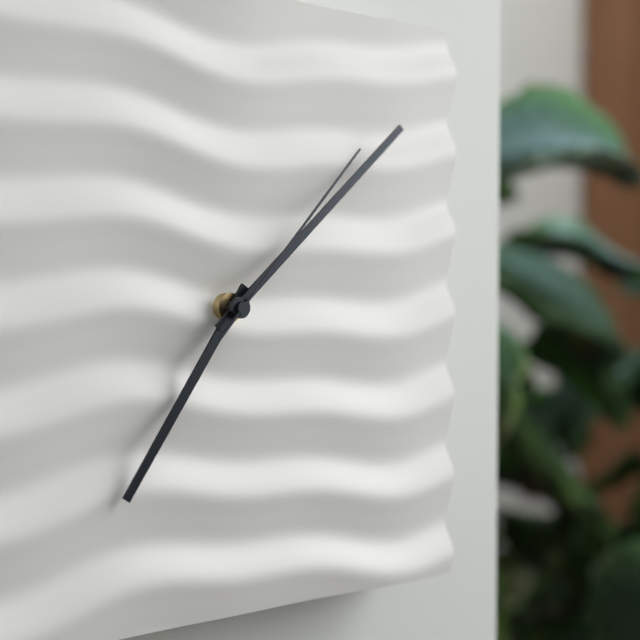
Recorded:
7.08.07
